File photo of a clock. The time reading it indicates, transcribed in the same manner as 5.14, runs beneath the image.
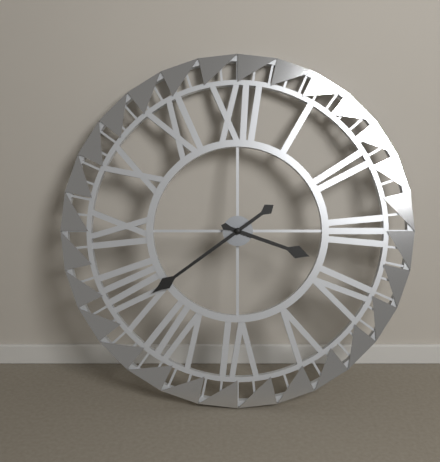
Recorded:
3.39
